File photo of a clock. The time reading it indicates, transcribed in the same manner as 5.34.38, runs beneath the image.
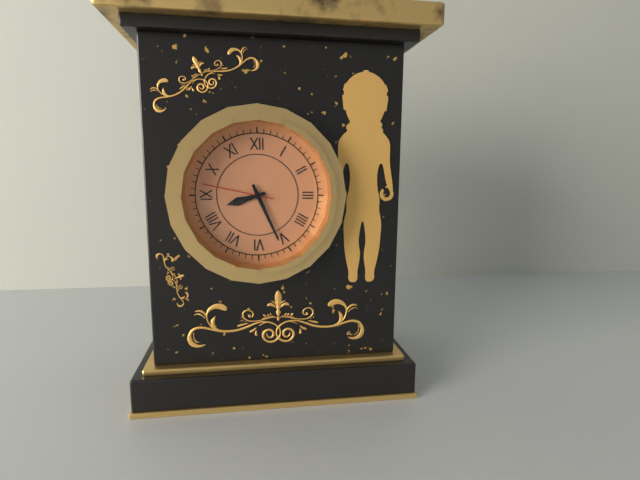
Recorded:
8.26.47
